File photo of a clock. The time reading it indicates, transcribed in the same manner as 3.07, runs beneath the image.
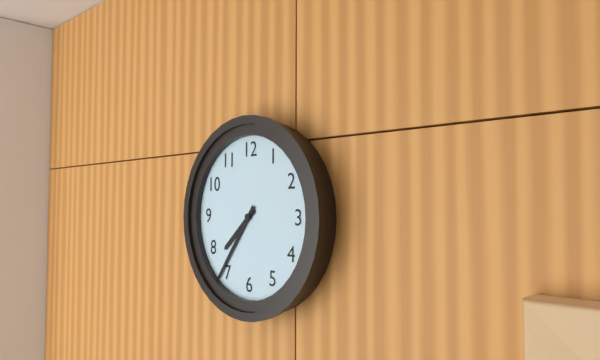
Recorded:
7.36
